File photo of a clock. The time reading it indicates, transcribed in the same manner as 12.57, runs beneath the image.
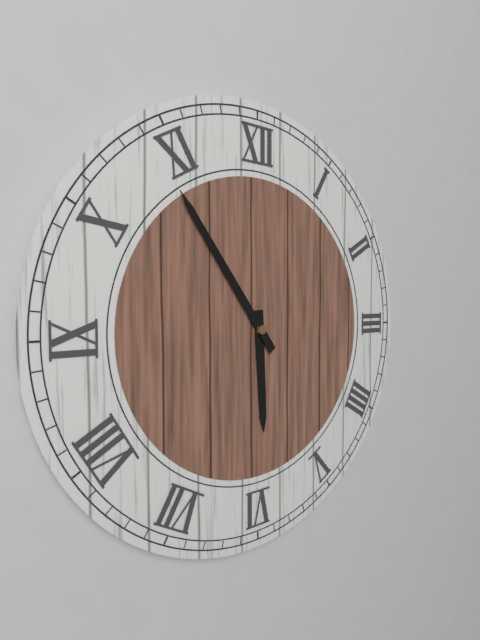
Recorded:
5.54
